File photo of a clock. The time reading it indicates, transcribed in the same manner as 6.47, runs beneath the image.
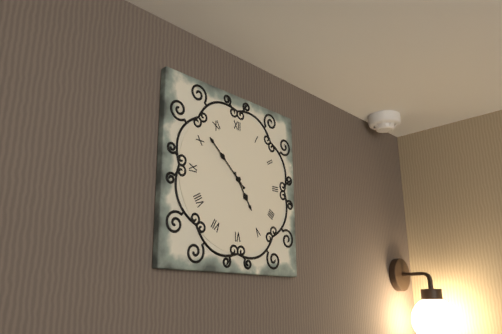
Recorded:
4.52
